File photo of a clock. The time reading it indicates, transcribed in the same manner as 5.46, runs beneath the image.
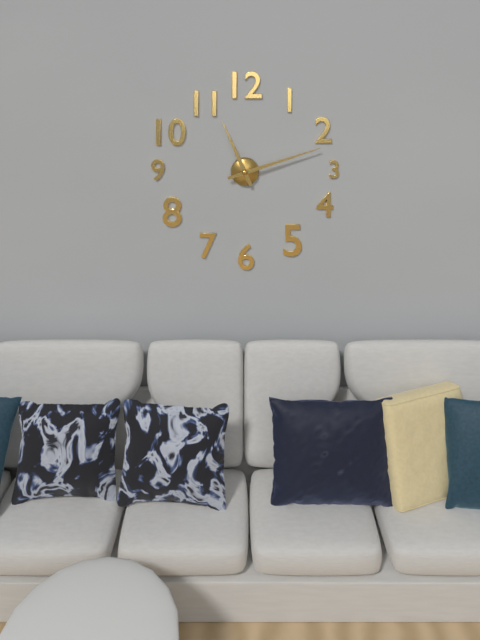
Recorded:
11.12
